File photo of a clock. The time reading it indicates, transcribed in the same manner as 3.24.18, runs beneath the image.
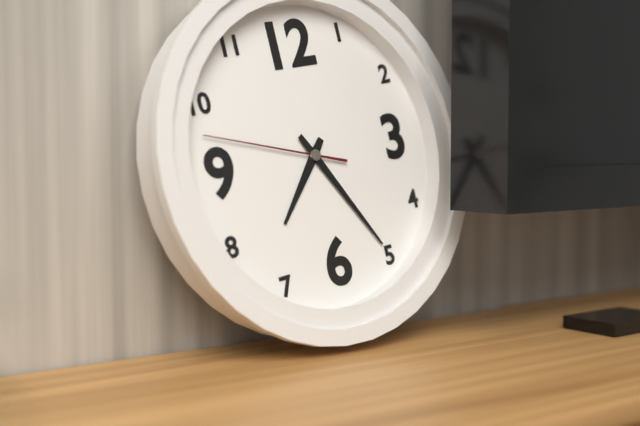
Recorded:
7.25.48
